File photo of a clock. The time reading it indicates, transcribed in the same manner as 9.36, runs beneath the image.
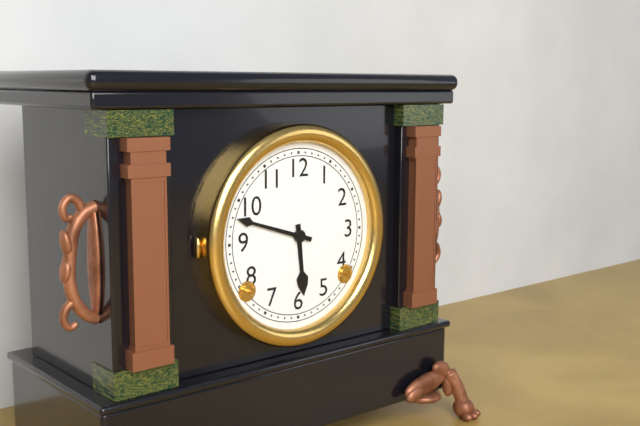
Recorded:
5.48
